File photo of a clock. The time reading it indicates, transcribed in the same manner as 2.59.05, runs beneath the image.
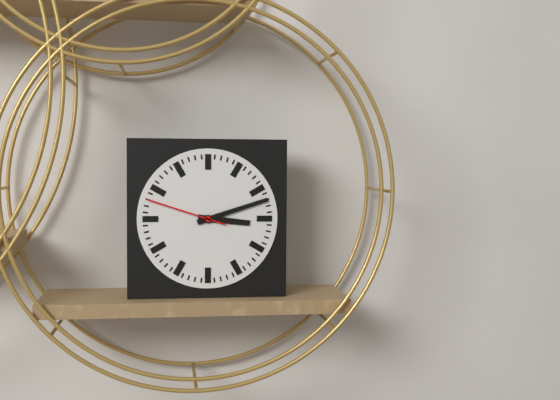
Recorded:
3.12.48
